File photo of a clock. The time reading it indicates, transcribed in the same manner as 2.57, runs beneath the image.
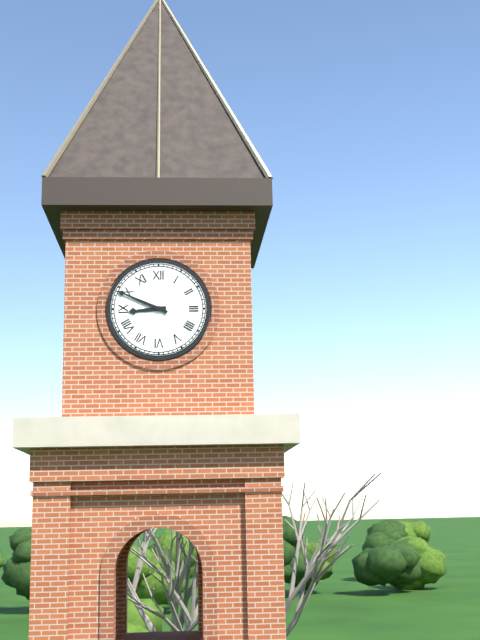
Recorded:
8.49
